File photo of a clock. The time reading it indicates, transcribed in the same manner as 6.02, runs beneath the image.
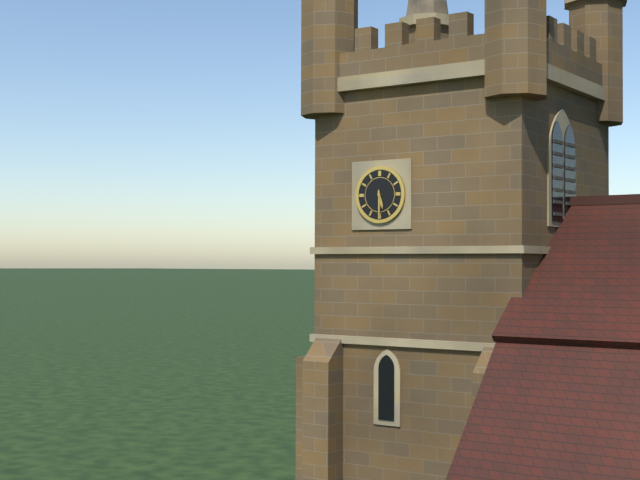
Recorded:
5.30
